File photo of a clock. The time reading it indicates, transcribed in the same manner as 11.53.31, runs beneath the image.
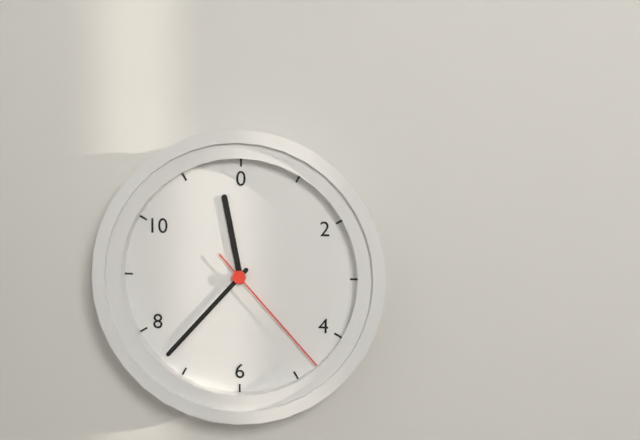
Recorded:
11.37.23
